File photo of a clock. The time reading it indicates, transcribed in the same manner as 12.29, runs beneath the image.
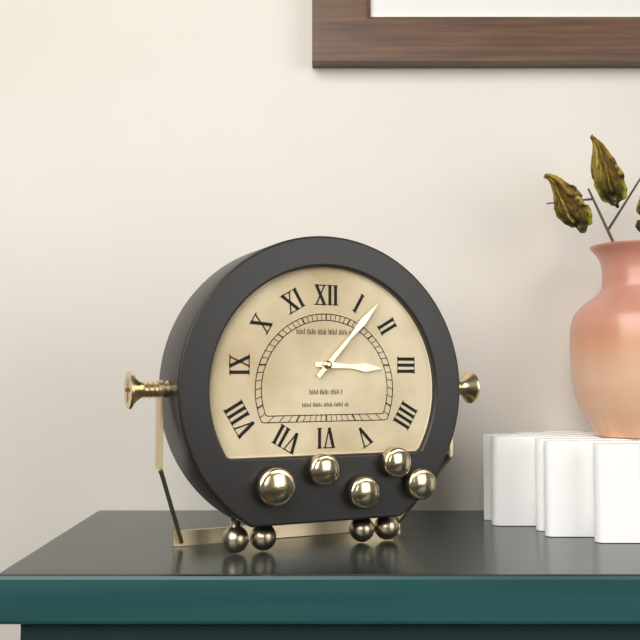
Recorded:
3.07
